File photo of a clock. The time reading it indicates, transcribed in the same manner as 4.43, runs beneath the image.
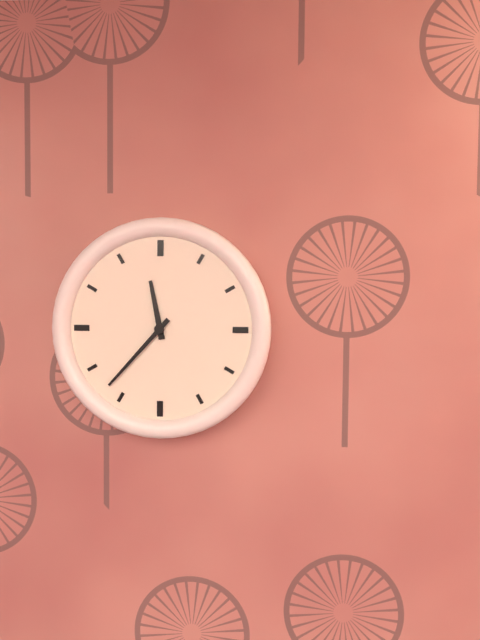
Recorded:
11.37
